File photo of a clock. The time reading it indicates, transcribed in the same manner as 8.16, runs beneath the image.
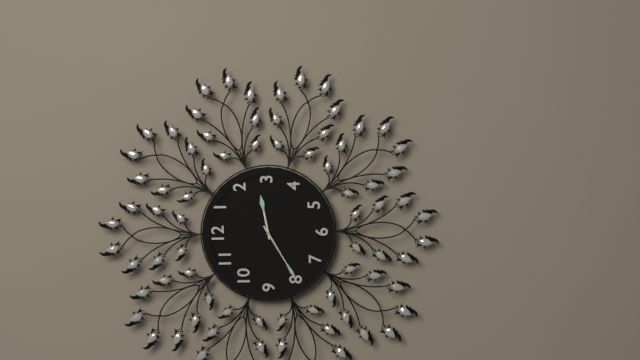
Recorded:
2.40
